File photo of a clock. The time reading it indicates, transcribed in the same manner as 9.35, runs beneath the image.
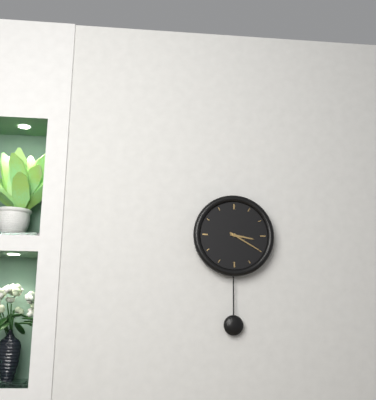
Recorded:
3.20
